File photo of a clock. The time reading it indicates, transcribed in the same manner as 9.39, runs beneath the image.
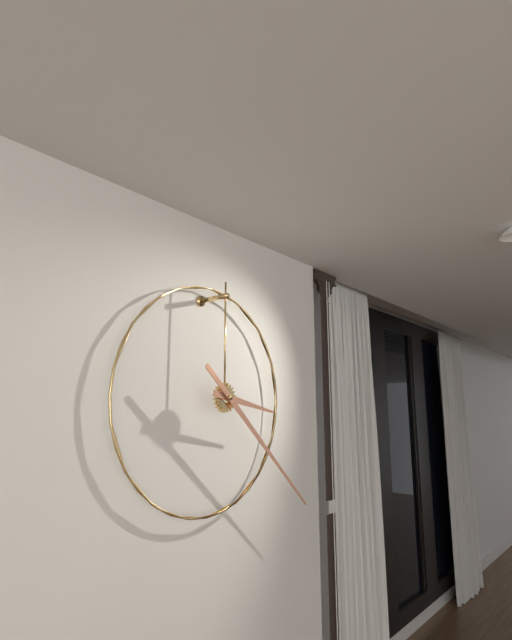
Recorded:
3.22
